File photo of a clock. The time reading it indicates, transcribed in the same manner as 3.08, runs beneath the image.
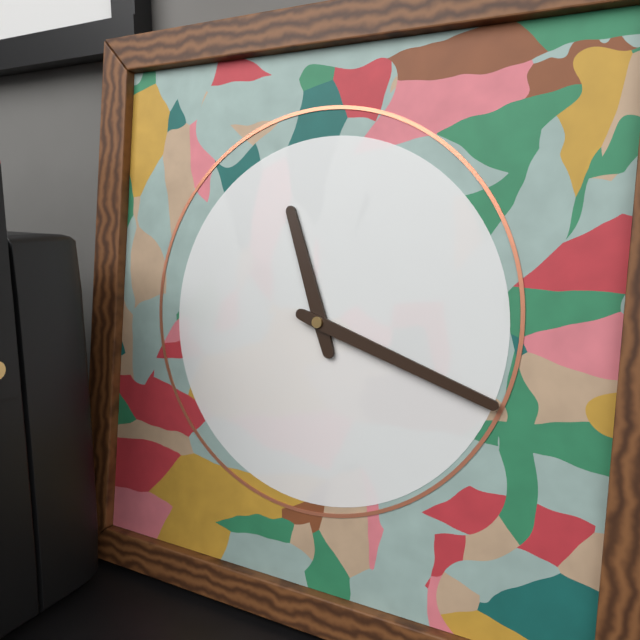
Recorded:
11.18
